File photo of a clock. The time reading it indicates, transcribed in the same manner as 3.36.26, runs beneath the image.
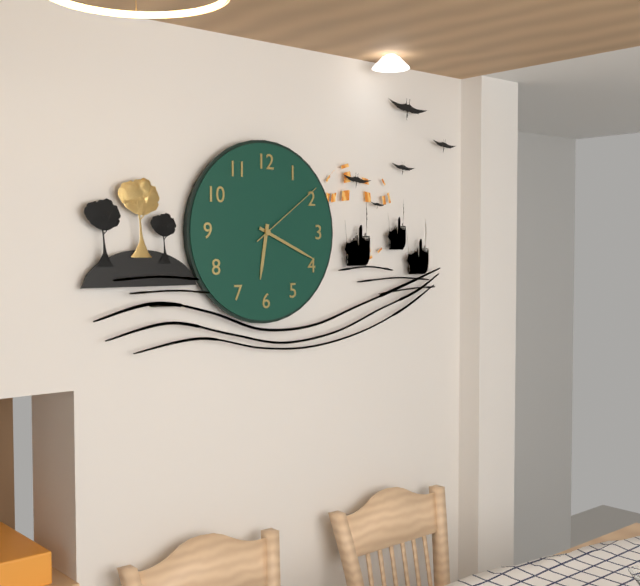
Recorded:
6.19.09
